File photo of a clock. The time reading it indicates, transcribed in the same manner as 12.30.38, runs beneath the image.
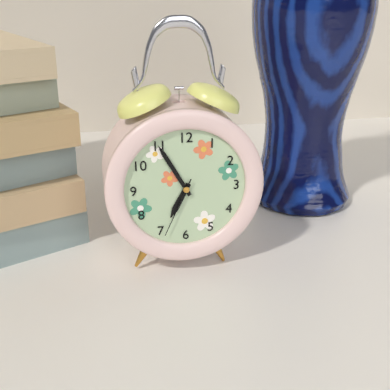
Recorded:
6.55.34
